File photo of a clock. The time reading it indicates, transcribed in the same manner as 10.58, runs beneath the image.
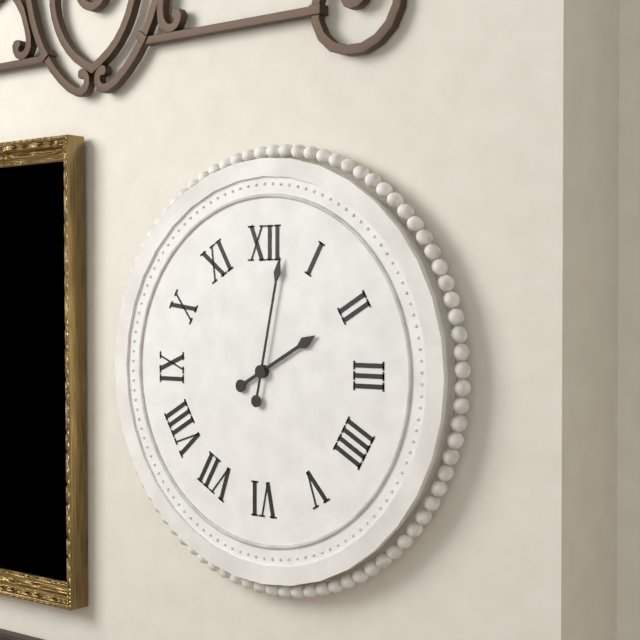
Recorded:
2.02
